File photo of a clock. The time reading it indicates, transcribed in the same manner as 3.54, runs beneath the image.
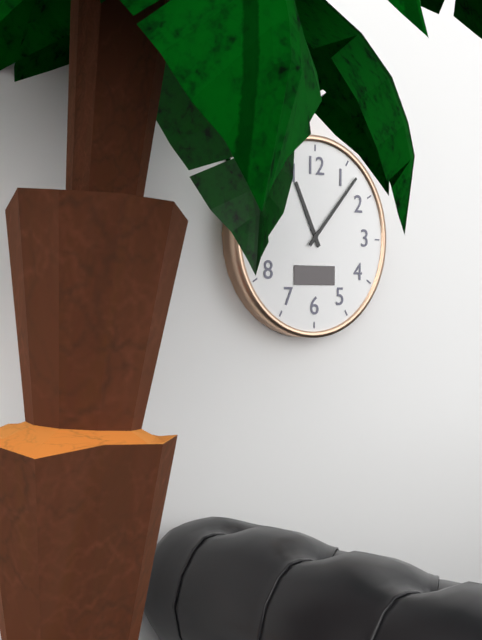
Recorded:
11.07
